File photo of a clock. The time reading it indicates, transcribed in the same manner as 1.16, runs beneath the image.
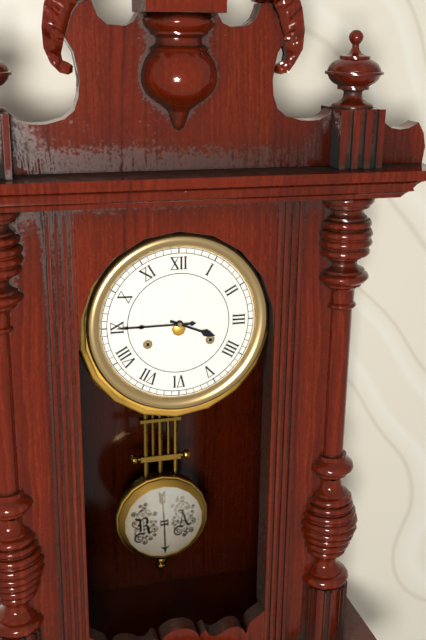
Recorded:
3.45
